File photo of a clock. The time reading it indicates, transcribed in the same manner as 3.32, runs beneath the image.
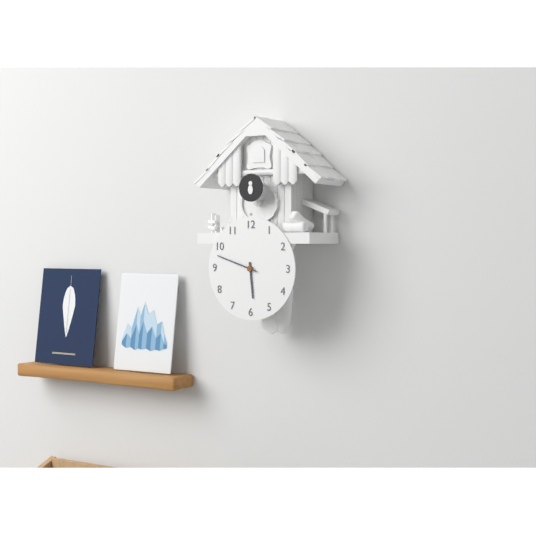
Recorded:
5.48
